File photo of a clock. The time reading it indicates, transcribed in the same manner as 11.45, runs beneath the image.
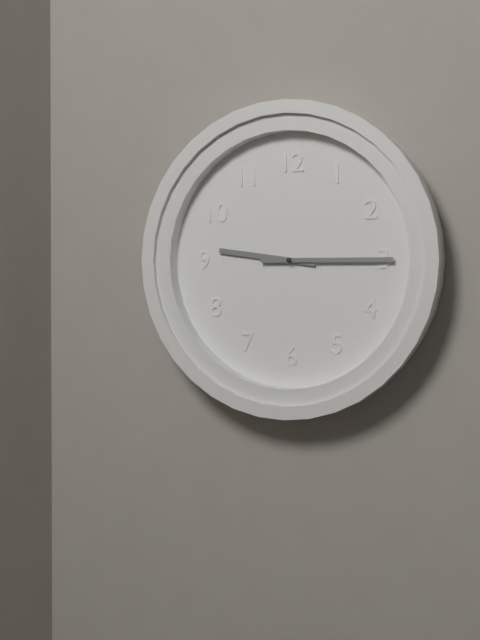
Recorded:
9.15
